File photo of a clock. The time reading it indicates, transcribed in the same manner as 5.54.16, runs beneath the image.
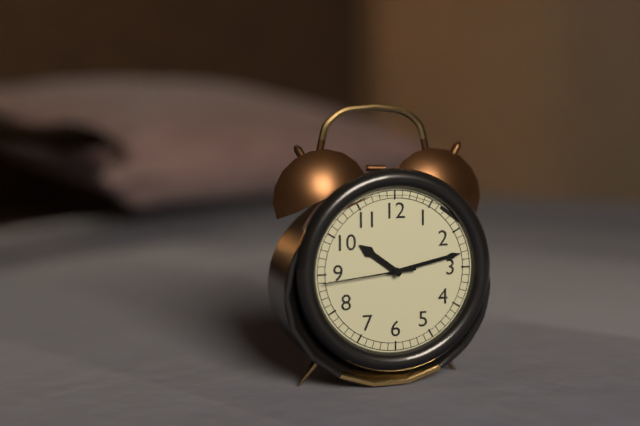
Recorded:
10.13.44
